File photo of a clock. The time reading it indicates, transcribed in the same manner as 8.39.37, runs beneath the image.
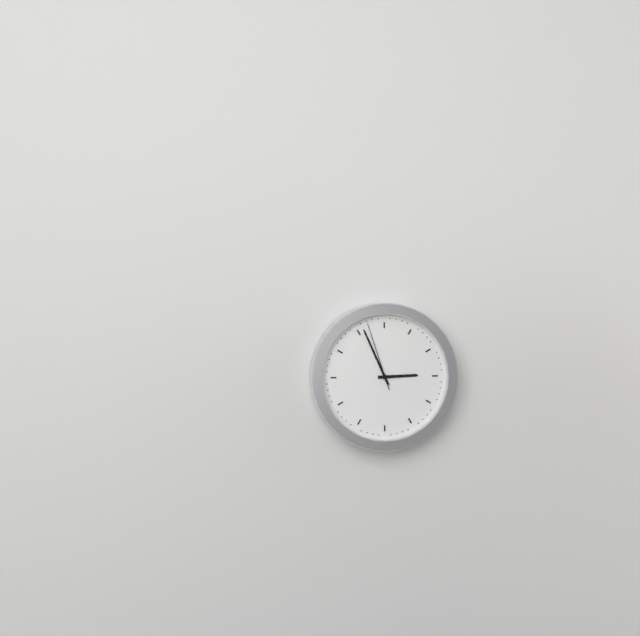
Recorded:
2.56.57
